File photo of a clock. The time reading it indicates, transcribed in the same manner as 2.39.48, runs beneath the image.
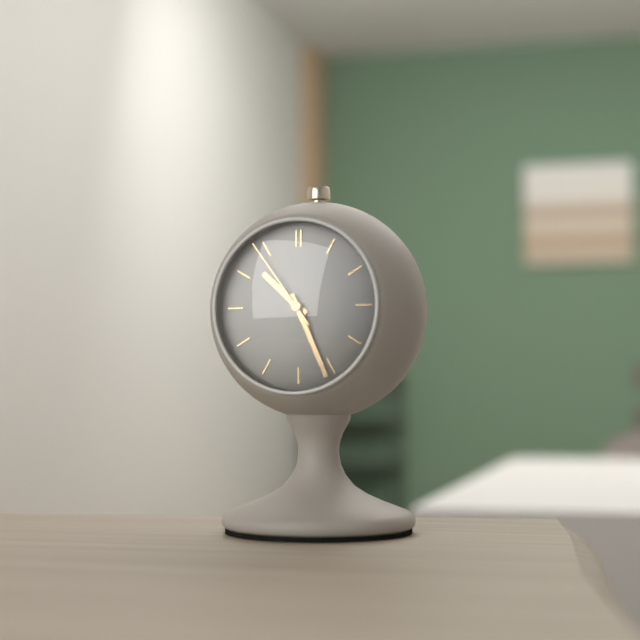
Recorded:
10.26.54
